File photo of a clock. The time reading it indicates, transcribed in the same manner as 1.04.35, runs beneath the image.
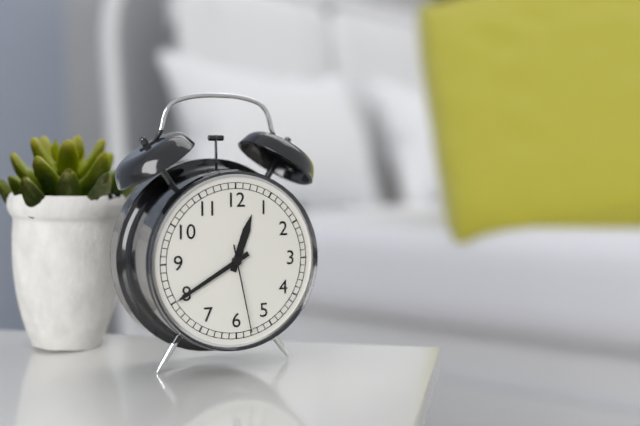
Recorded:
12.40.28
